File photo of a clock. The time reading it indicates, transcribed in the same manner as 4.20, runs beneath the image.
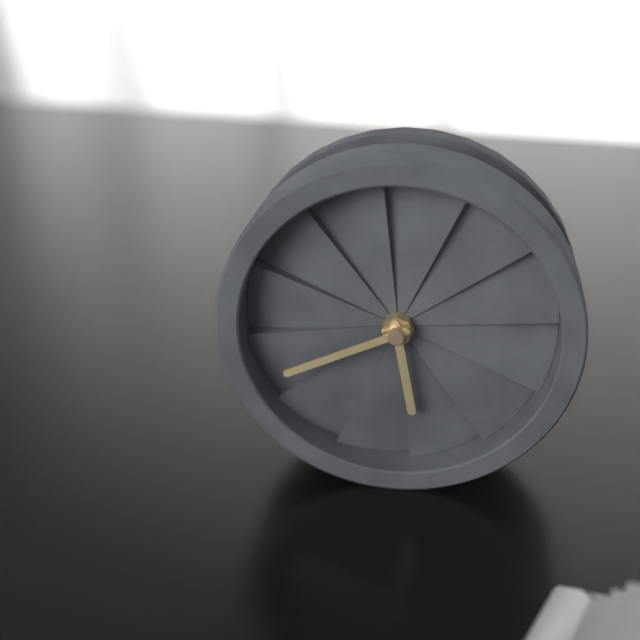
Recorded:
5.41
